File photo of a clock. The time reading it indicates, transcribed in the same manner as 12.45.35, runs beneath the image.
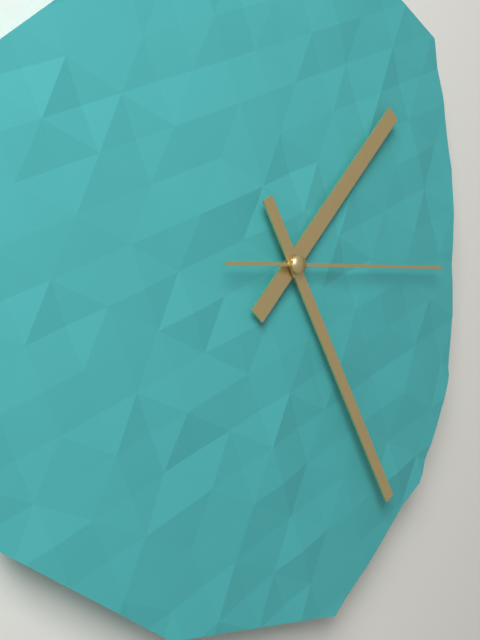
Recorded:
1.25.15
